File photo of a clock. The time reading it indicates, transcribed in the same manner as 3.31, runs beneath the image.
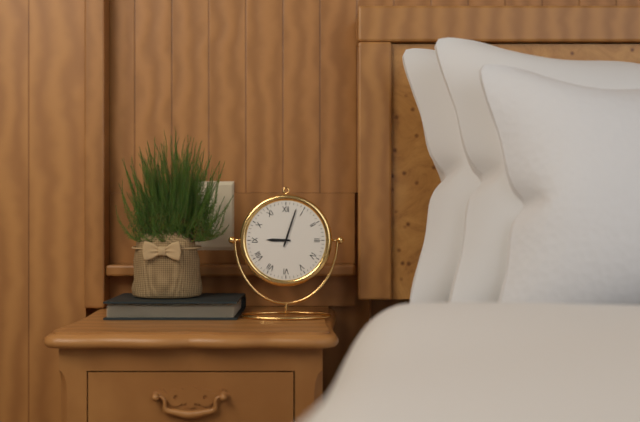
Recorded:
9.03
